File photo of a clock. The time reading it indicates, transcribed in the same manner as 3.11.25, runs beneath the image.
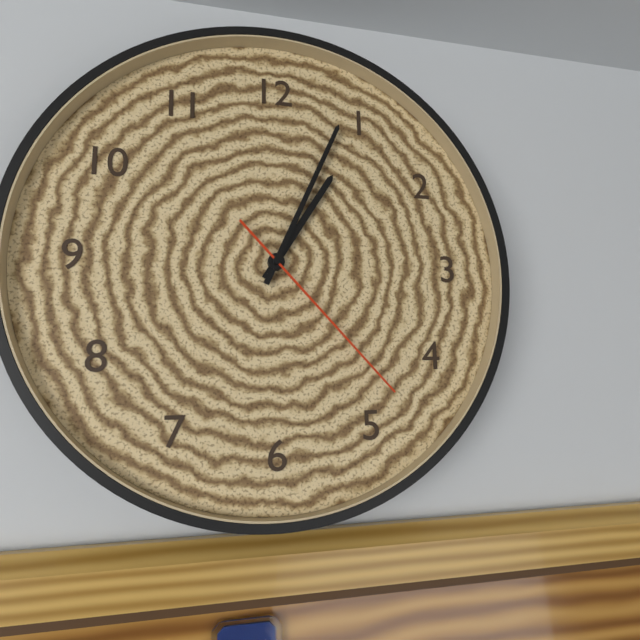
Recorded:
1.04.23
